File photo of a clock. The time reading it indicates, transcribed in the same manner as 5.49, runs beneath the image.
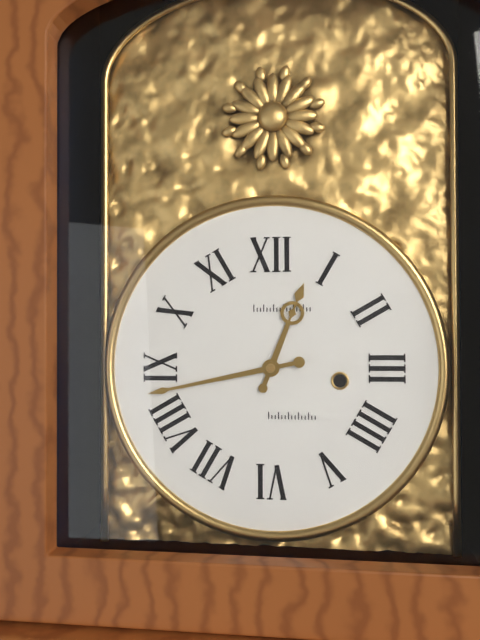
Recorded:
12.43
